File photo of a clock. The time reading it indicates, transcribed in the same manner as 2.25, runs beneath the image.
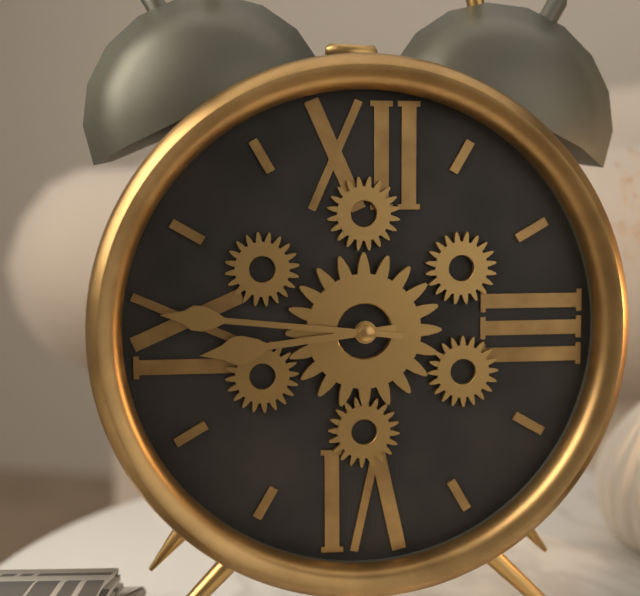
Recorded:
8.46
